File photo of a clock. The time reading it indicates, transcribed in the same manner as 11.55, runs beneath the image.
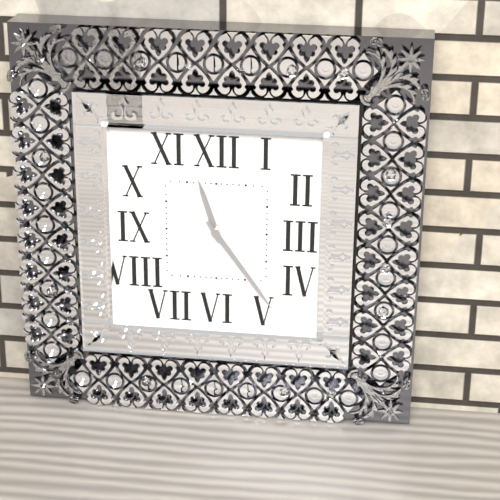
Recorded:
11.24
